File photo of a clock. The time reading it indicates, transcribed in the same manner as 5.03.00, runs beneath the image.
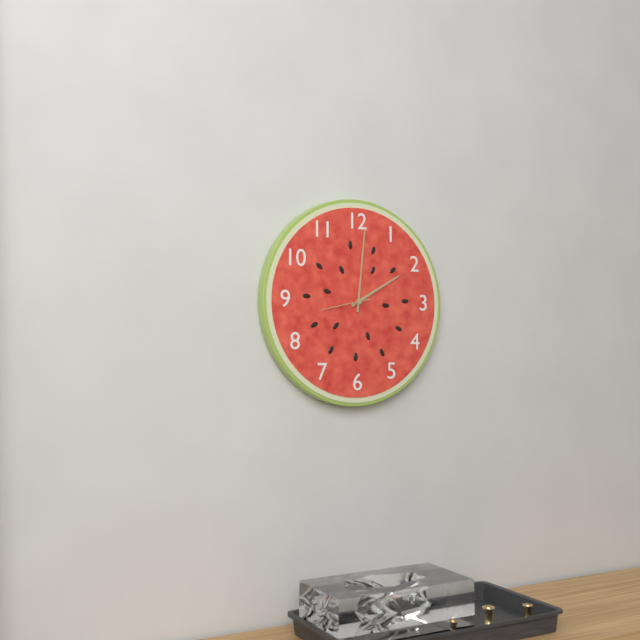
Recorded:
2.01.43
